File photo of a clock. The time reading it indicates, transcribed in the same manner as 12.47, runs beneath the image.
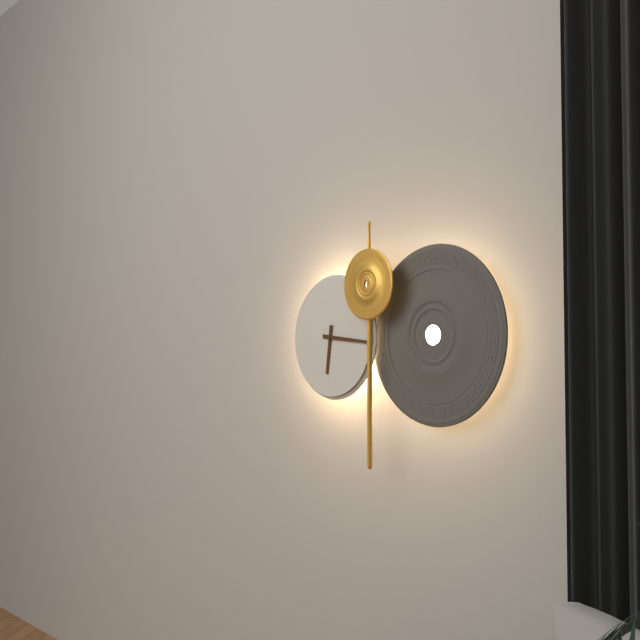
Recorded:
6.16
